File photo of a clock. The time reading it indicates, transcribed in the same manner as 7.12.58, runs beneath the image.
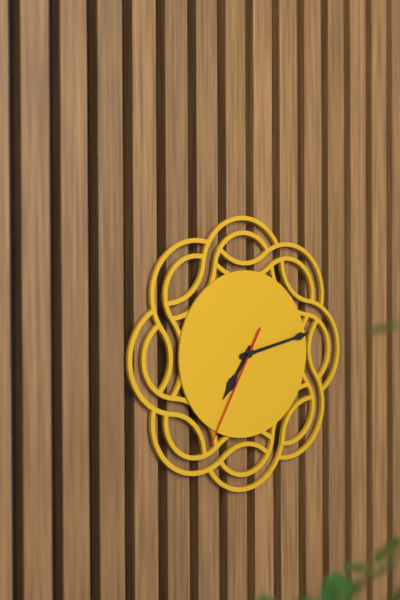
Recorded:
7.13.35
